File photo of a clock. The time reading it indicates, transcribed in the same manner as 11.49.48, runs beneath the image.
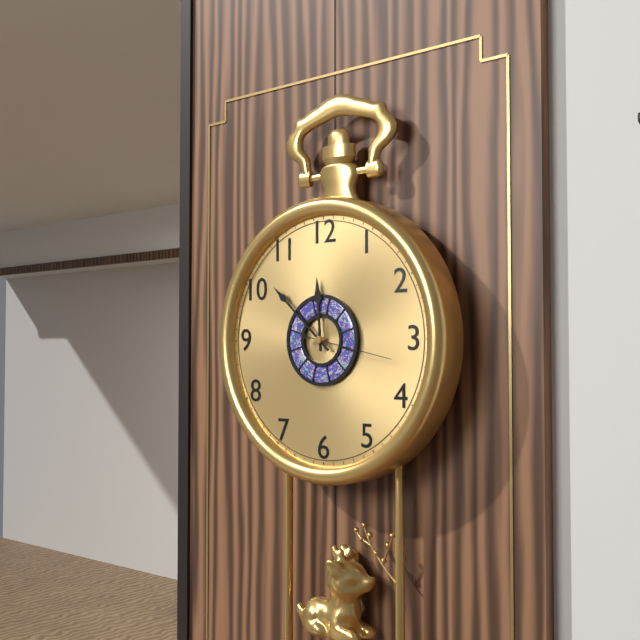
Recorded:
11.52.17
